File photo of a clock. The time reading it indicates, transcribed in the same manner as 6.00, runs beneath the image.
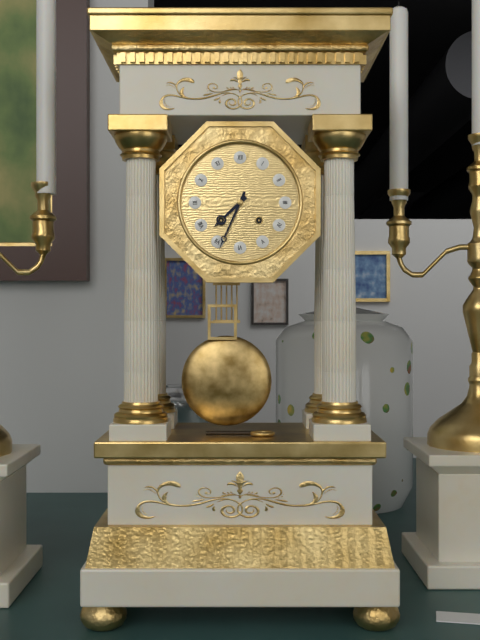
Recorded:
7.34
